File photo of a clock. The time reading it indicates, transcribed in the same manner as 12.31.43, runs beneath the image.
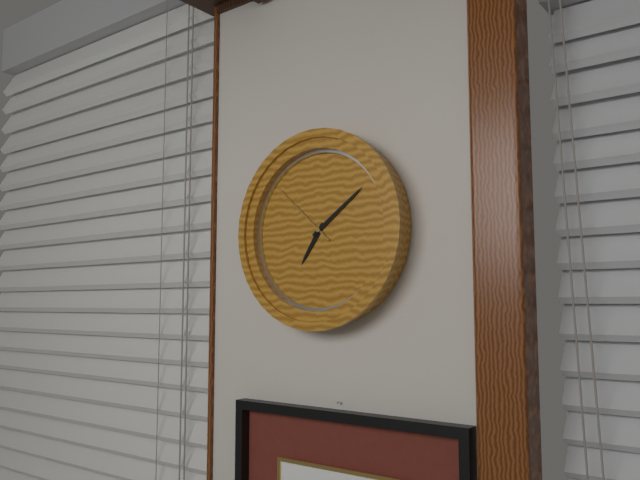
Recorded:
7.09.52
